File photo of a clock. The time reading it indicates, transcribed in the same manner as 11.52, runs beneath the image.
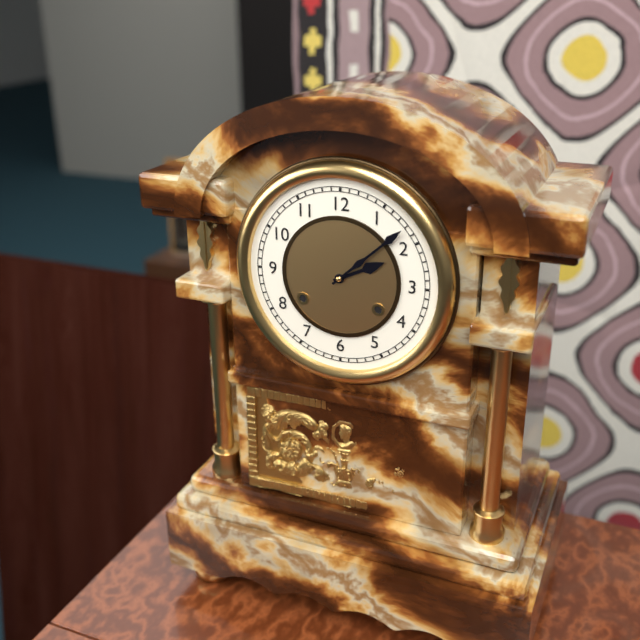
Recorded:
2.08
